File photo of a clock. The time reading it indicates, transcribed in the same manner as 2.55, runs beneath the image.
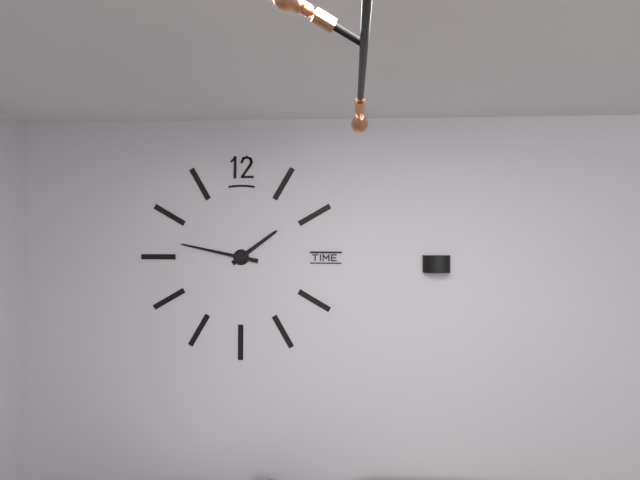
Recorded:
1.47
